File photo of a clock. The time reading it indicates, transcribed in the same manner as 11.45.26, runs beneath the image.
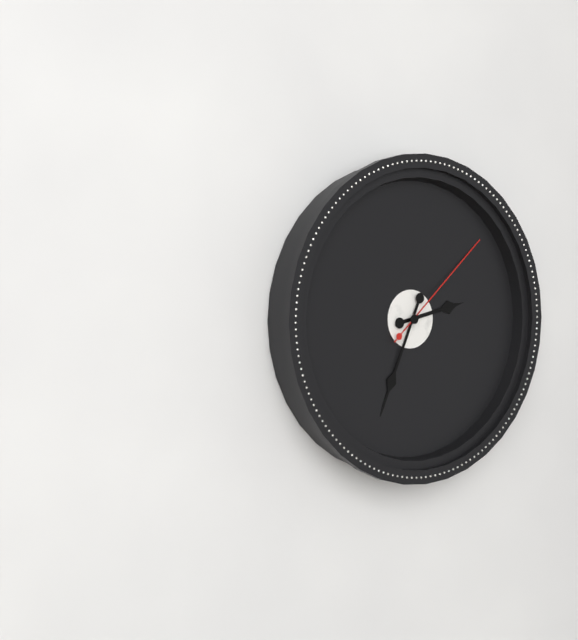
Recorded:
2.34.08
